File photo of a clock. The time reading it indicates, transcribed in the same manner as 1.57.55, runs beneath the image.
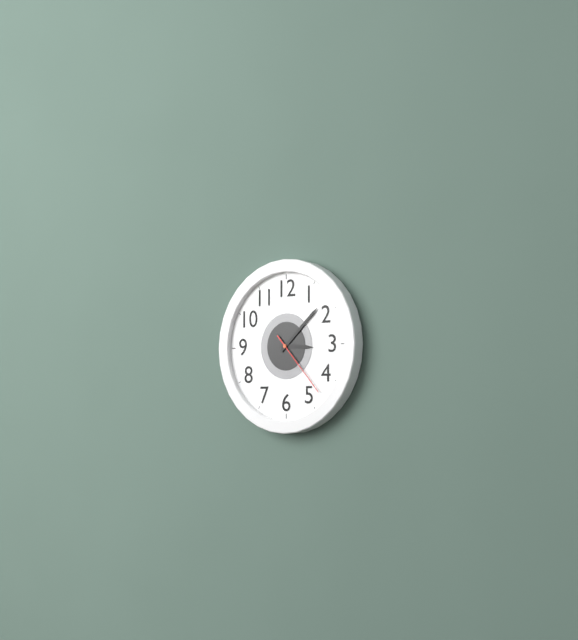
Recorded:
3.08.23
